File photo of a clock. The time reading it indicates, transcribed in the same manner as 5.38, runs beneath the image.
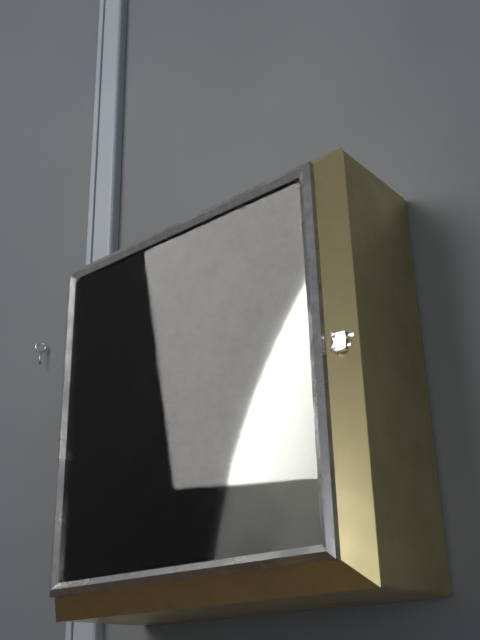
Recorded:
11.38
